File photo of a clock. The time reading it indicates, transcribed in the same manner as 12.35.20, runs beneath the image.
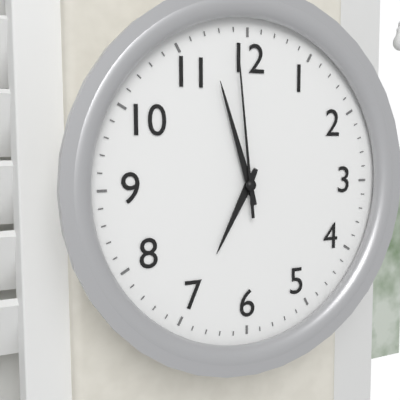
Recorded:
6.57.59
